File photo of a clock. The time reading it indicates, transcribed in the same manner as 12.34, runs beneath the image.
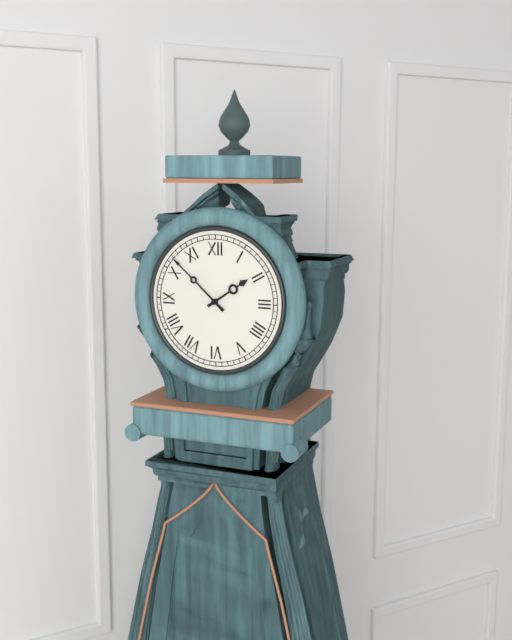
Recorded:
1.52
